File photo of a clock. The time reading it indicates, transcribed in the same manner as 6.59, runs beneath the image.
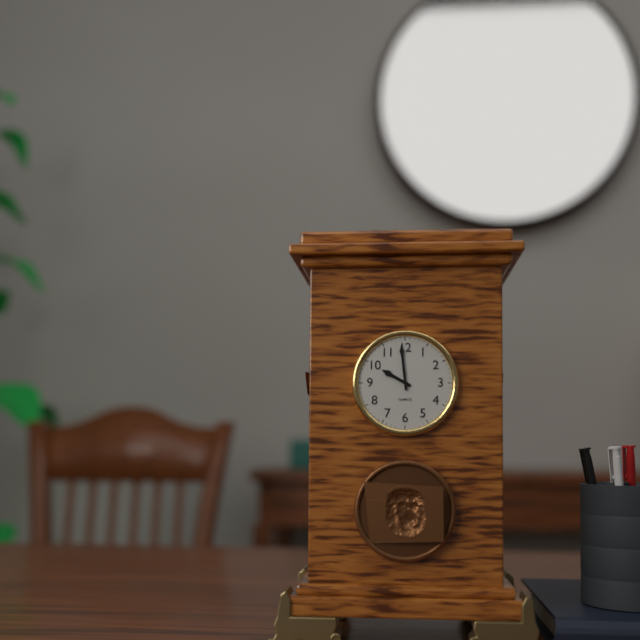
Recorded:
9.59
